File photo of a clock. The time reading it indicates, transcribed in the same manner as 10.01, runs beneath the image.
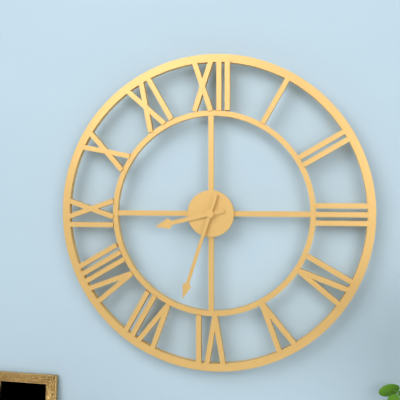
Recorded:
8.33
